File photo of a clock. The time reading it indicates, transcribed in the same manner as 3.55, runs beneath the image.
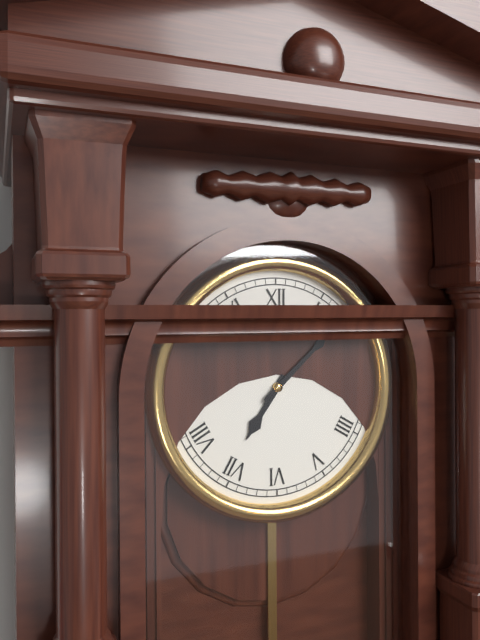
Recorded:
7.08
